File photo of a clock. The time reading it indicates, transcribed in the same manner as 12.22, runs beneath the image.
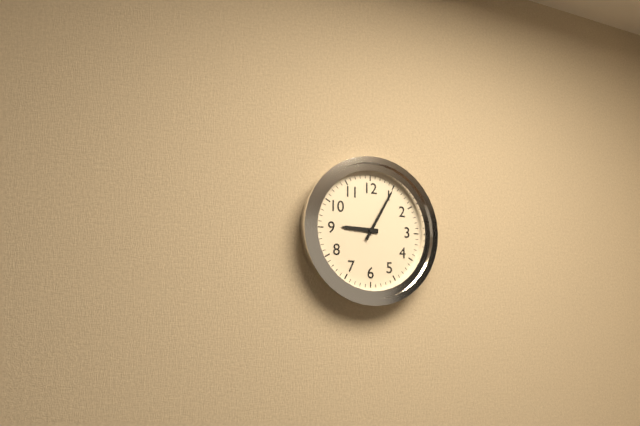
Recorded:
9.05
